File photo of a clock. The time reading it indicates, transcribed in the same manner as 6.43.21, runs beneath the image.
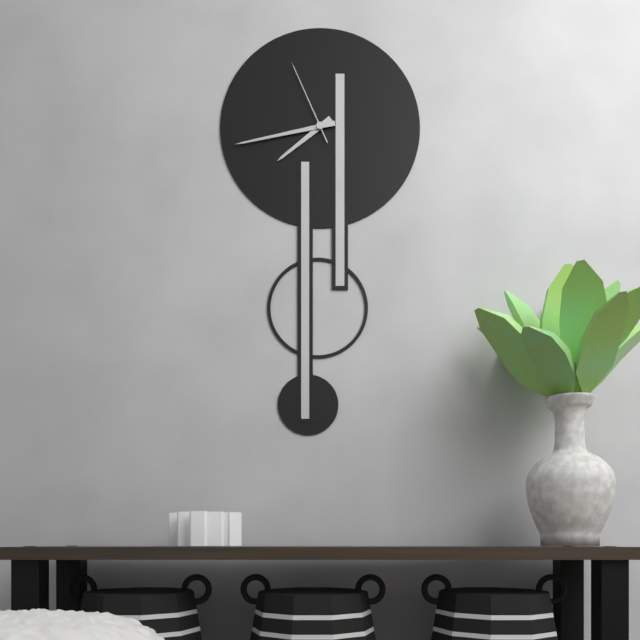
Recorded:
7.43.56
